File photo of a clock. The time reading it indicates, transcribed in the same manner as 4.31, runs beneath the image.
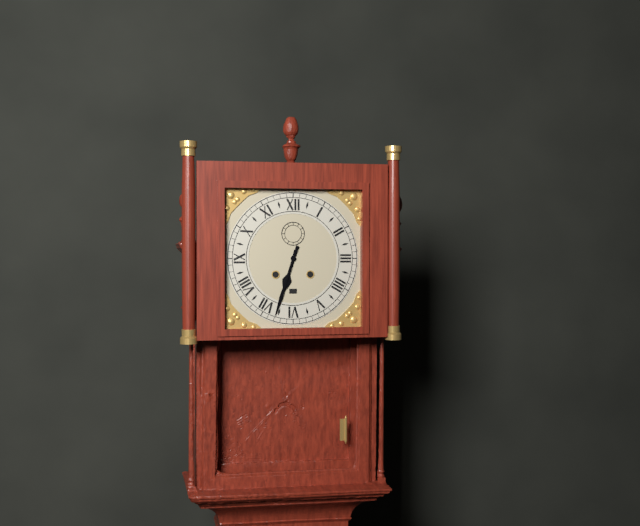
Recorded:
6.33
